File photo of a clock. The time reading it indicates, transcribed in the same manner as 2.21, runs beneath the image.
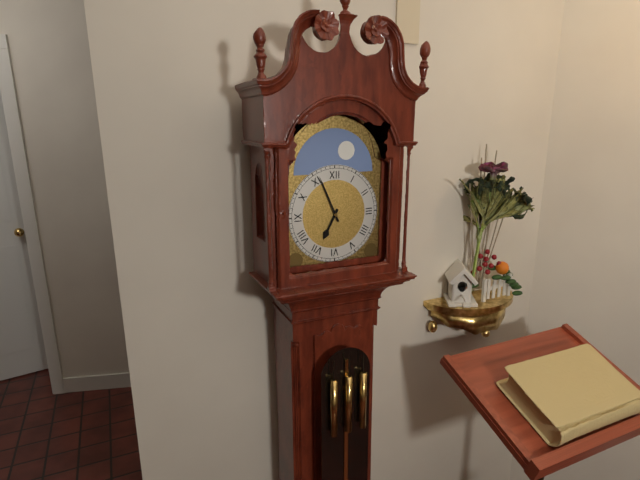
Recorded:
6.56
